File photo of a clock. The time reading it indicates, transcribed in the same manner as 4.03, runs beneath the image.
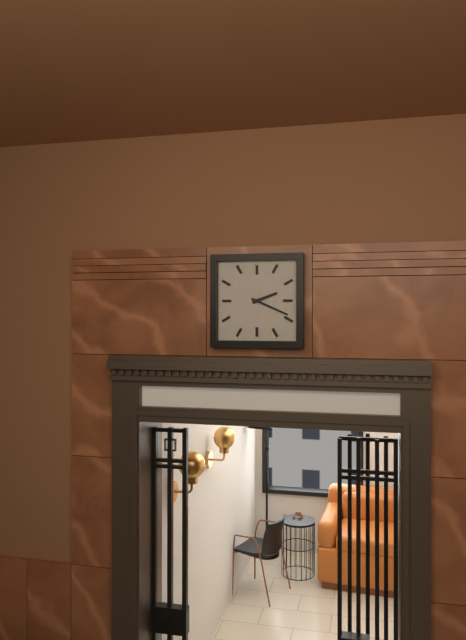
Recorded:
2.19
